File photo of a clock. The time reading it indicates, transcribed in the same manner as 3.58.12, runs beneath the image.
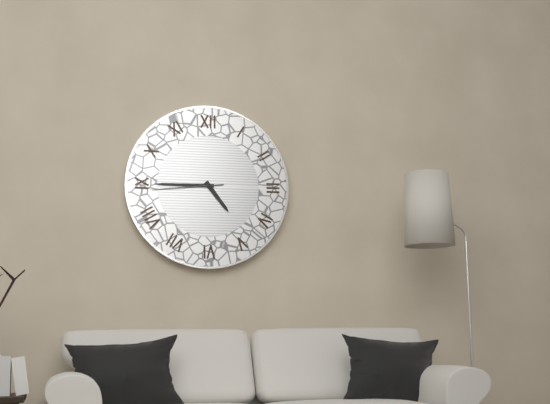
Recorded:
4.45.44
